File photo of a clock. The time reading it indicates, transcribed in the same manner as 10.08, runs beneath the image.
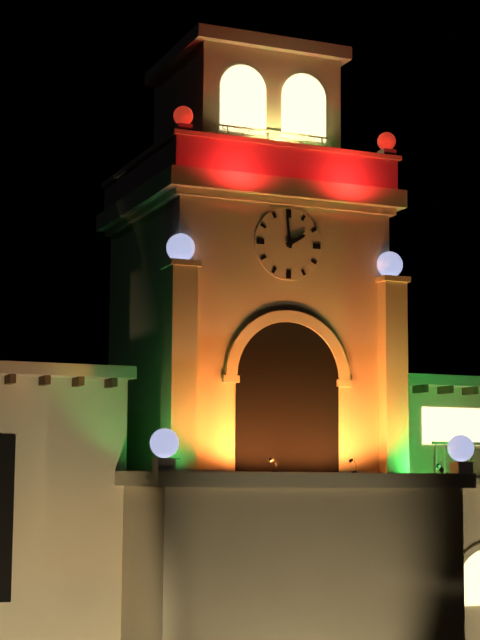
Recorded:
1.59
